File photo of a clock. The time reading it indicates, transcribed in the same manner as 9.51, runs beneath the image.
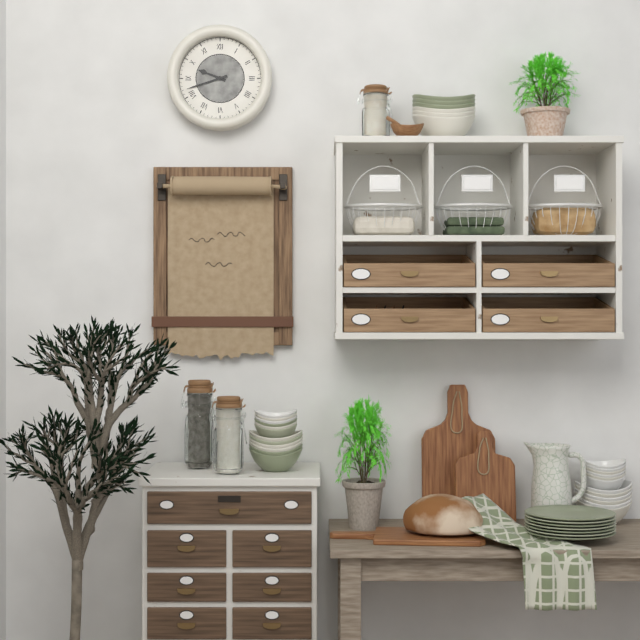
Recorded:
9.42
